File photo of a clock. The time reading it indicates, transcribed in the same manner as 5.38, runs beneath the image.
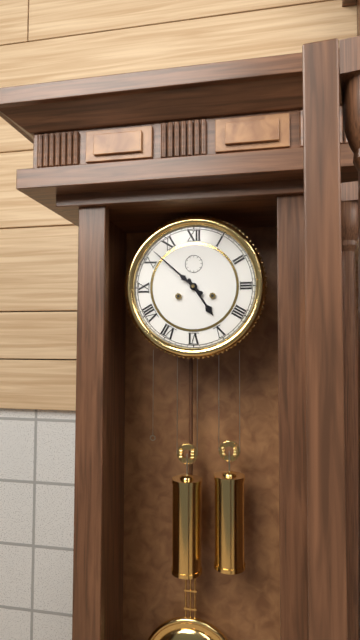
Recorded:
4.52
